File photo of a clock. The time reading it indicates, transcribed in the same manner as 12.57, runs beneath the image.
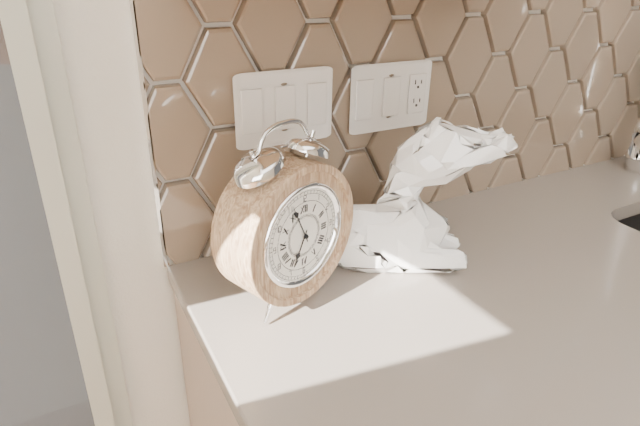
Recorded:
6.56
